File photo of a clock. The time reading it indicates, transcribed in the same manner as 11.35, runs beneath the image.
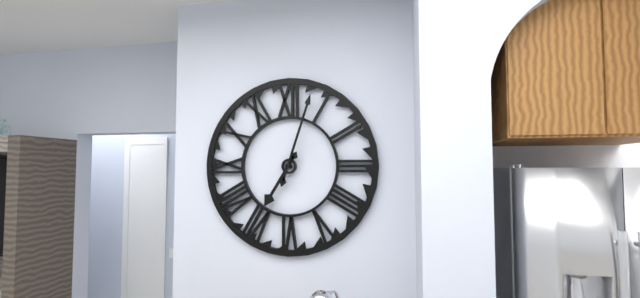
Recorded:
7.03
